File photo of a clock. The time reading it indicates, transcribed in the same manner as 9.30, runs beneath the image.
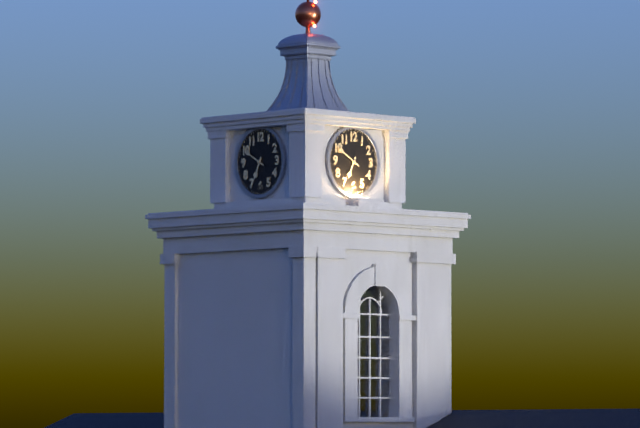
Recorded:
6.50
